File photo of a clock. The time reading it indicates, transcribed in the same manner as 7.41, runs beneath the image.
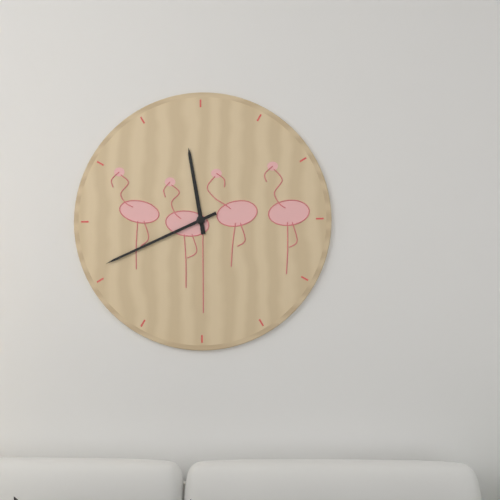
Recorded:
11.41
